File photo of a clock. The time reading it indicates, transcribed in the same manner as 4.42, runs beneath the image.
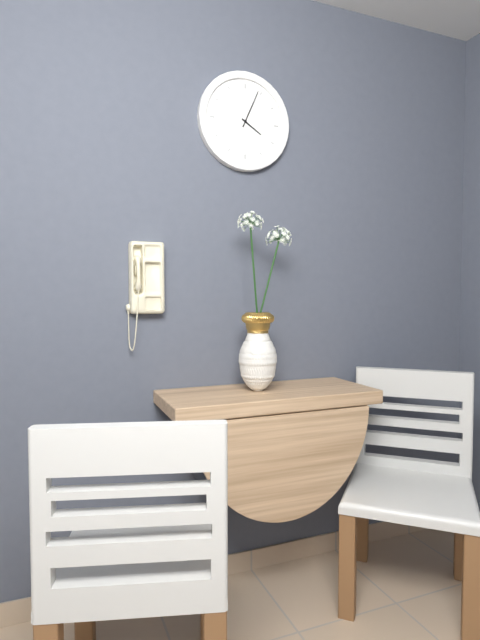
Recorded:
4.04
